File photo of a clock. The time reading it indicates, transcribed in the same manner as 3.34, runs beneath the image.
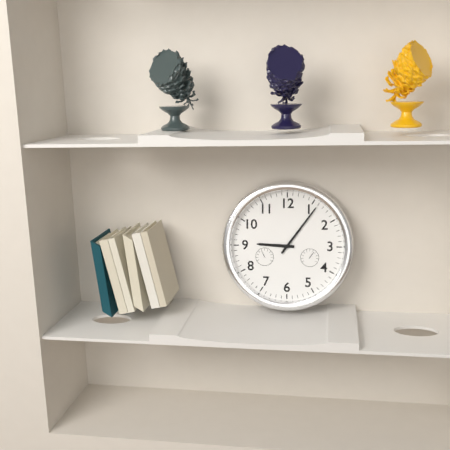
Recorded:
9.06
